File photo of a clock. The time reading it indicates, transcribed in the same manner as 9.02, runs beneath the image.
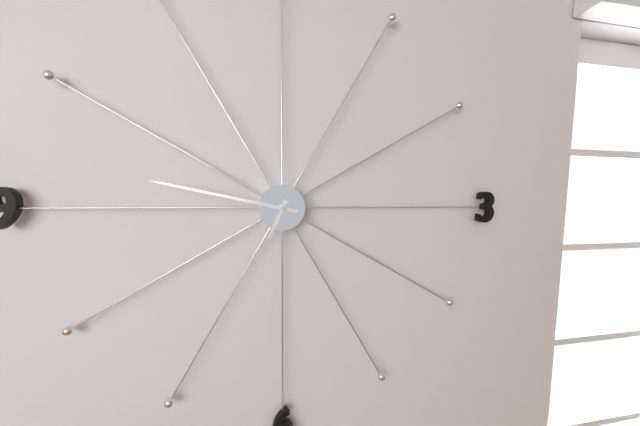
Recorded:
6.47
